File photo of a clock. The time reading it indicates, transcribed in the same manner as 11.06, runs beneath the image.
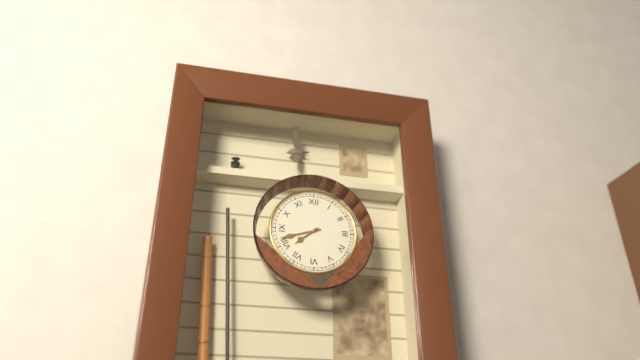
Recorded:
7.42
